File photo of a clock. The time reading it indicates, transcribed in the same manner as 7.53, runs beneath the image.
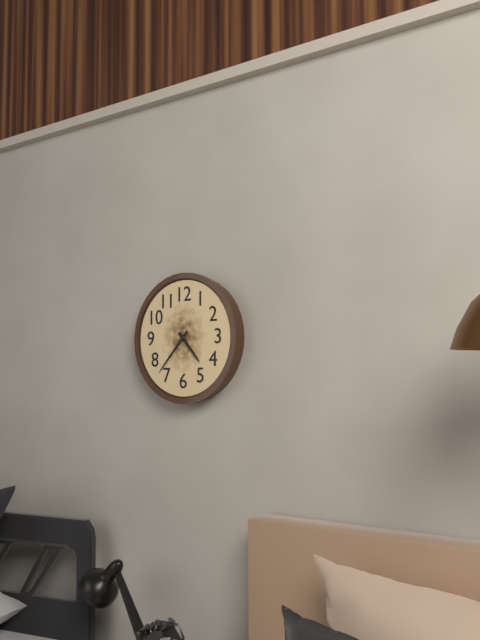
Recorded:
4.37
